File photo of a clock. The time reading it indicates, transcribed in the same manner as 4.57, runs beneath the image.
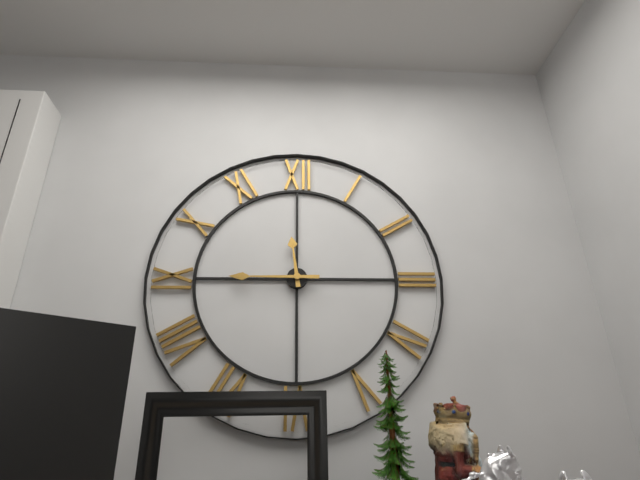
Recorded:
11.45
